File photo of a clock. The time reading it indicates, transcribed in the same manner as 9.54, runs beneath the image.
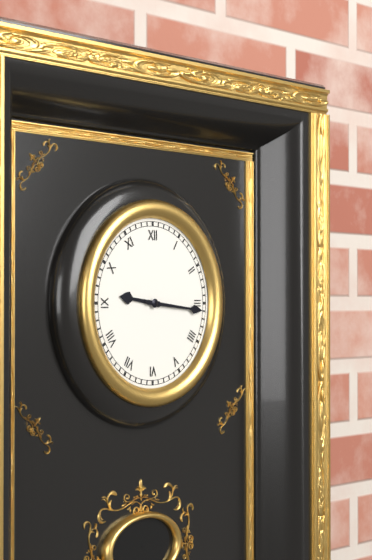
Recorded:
9.16
